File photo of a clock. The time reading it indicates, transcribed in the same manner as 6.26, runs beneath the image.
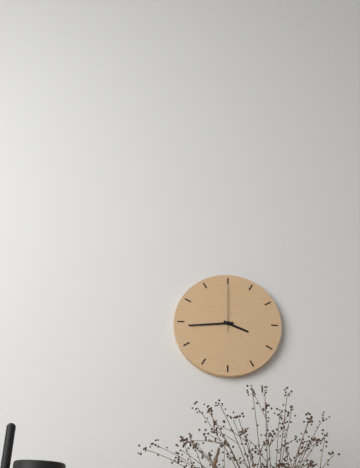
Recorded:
3.44
